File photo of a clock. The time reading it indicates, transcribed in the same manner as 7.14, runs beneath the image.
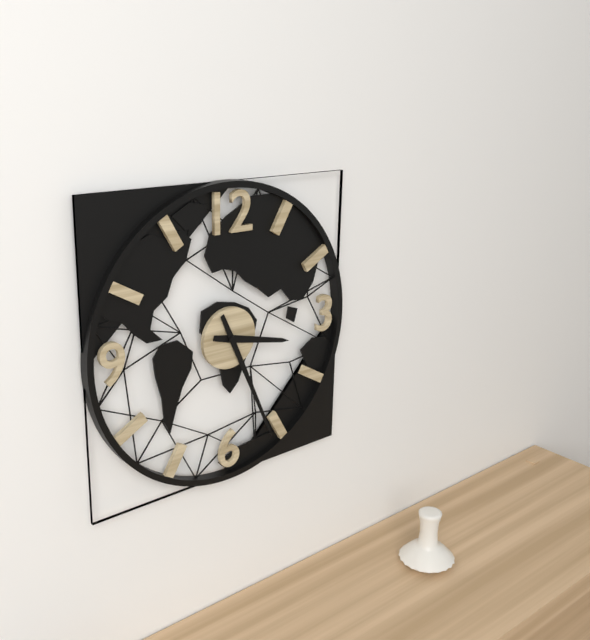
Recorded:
3.26
